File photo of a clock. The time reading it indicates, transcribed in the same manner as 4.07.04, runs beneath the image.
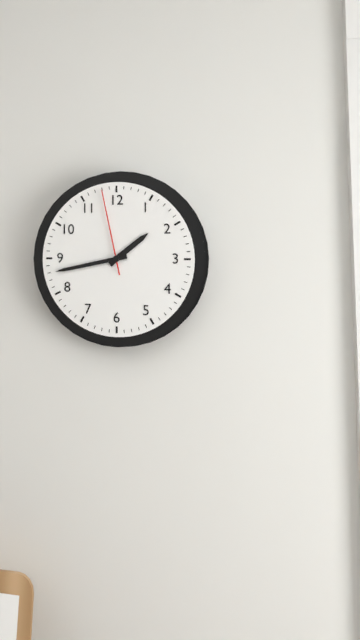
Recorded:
1.43.58
